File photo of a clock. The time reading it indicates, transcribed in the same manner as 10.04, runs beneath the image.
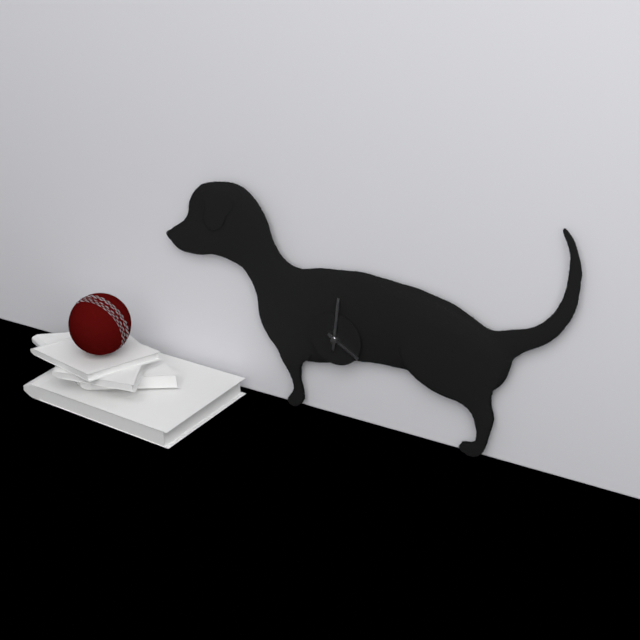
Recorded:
4.01
